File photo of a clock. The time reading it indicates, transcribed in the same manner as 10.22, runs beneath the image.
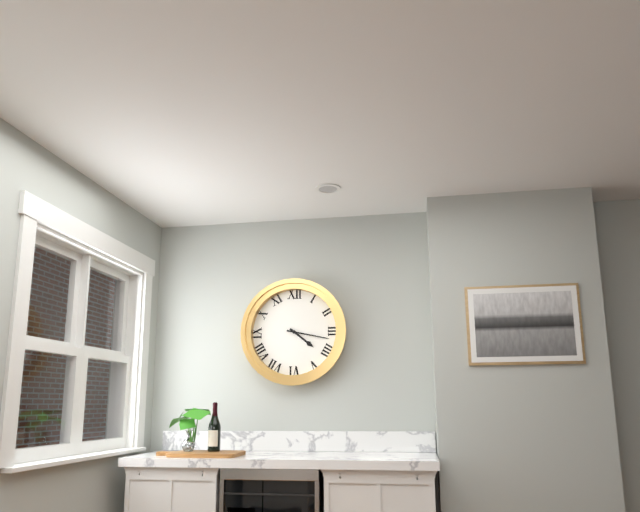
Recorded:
4.17
